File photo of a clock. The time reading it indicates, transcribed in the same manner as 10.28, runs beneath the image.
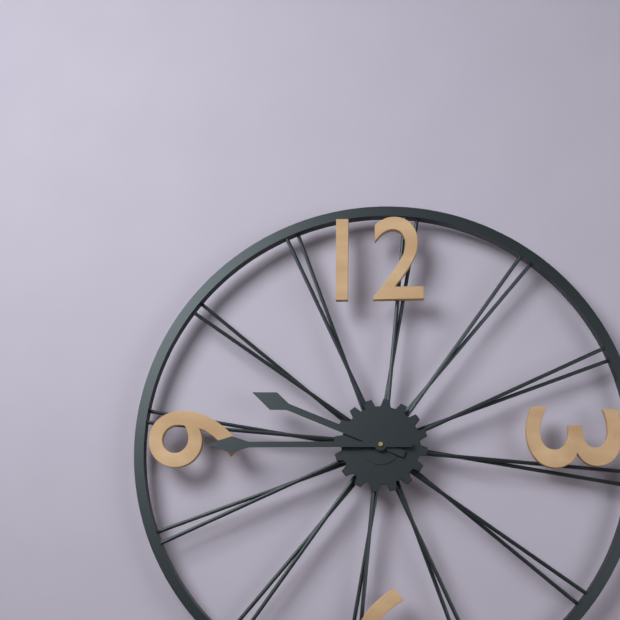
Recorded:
9.45
